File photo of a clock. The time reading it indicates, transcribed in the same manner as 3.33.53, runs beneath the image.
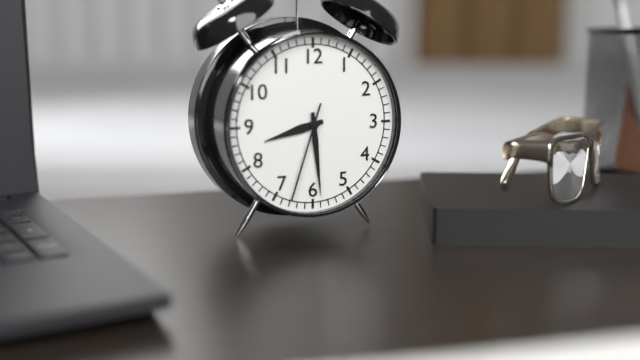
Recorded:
8.29.33
